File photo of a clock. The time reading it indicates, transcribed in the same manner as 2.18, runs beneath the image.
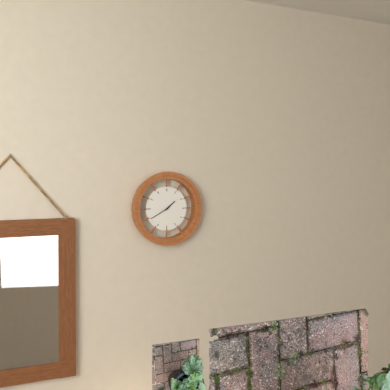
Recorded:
1.40
